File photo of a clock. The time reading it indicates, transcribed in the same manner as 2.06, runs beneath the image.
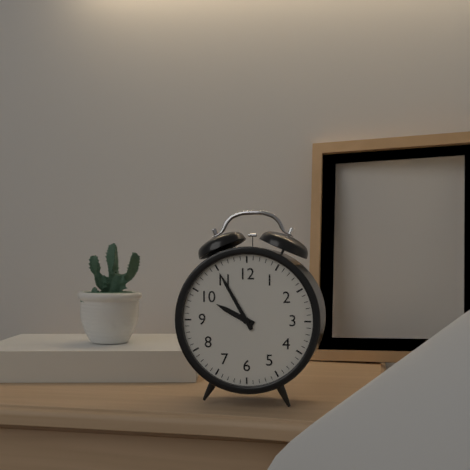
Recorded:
9.55
